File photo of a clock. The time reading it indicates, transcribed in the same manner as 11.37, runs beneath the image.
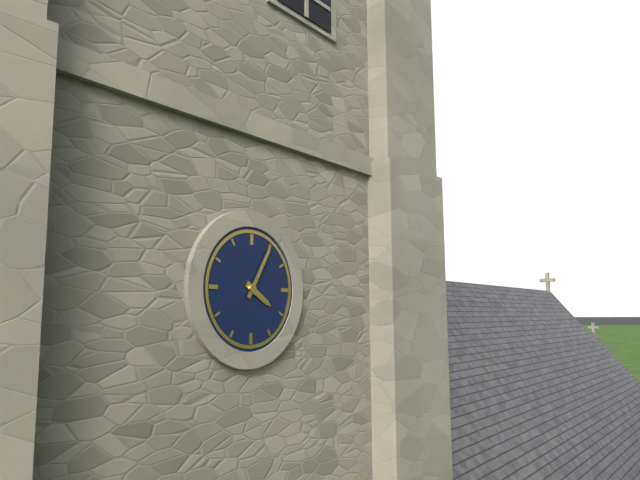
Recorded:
4.05
